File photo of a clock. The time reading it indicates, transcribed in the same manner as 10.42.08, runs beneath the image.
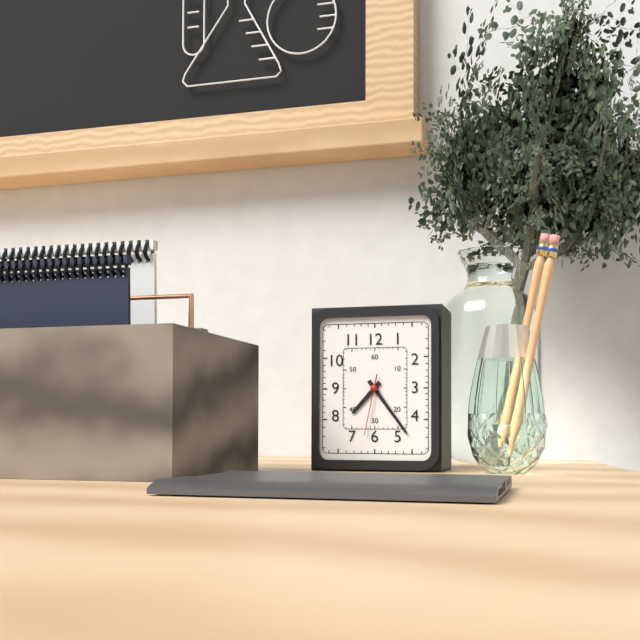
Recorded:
7.24.32
